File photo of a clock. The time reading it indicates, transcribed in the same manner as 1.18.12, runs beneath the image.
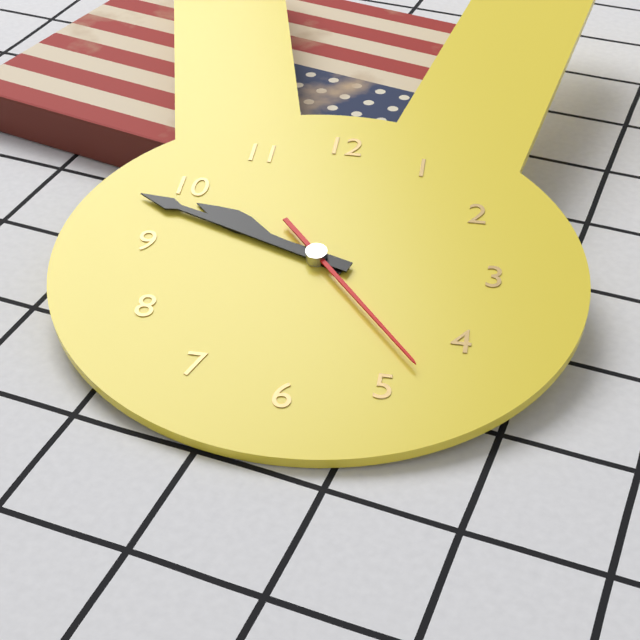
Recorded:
9.48.23
